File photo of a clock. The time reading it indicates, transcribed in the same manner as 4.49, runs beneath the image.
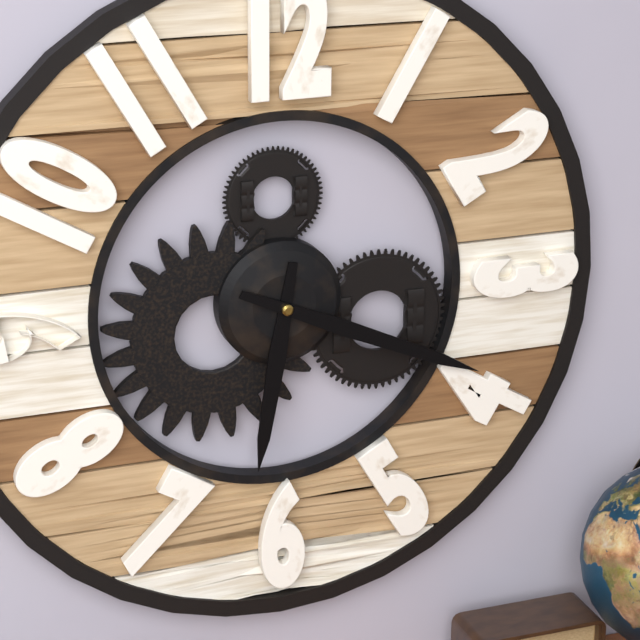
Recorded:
6.19
